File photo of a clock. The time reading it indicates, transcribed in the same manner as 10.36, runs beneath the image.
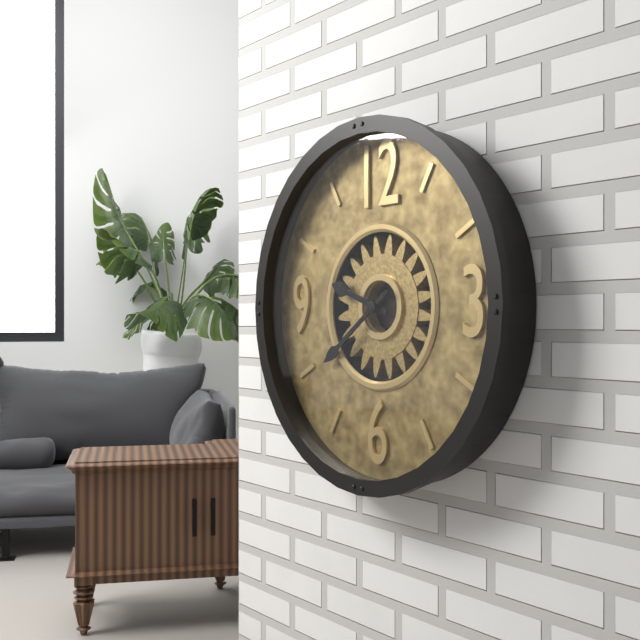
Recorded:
9.39
